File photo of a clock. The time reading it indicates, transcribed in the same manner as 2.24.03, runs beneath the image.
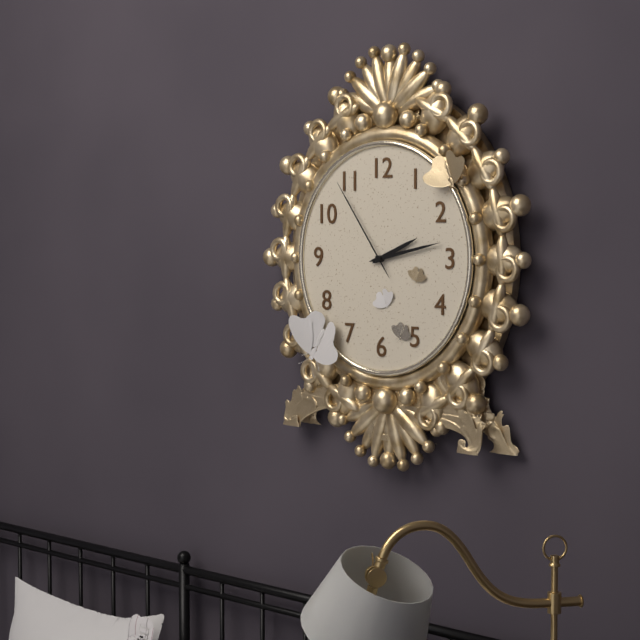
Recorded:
2.13.54
